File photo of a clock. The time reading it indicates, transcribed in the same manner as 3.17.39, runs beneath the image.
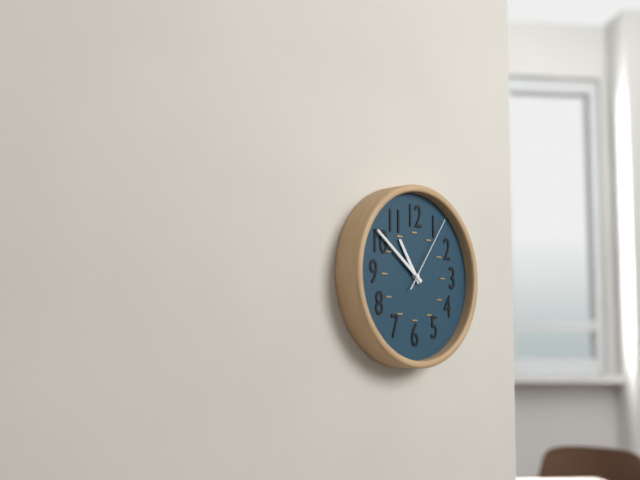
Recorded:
10.51.06
